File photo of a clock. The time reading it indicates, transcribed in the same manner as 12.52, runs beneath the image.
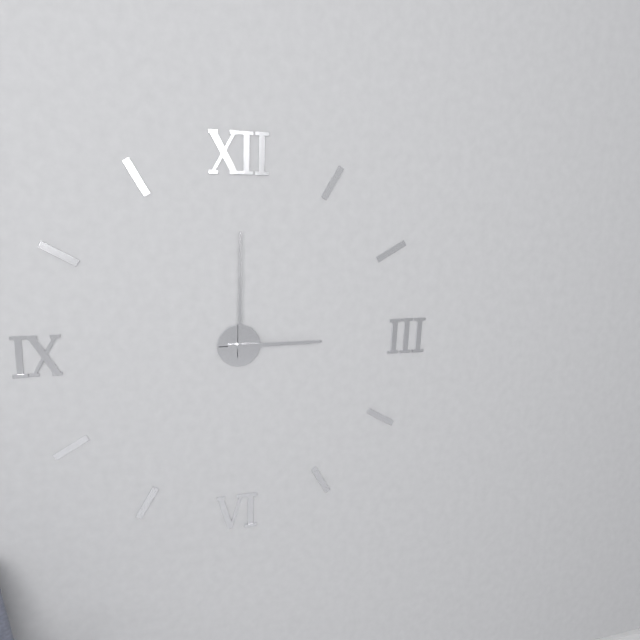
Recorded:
3.00
